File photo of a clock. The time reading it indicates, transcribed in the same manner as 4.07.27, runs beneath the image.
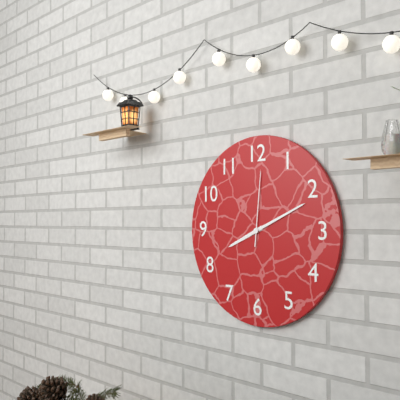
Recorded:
8.11.01
